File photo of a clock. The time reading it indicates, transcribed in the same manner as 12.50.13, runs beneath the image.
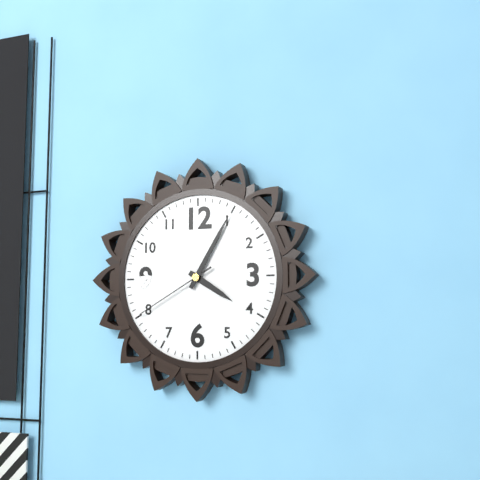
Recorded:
4.05.40
